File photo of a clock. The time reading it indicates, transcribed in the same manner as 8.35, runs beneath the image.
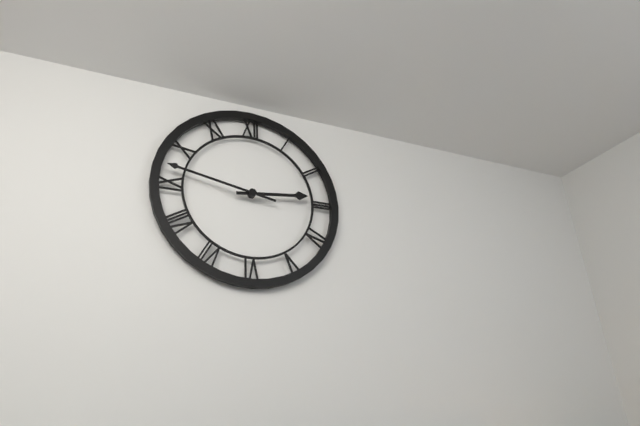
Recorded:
2.47
